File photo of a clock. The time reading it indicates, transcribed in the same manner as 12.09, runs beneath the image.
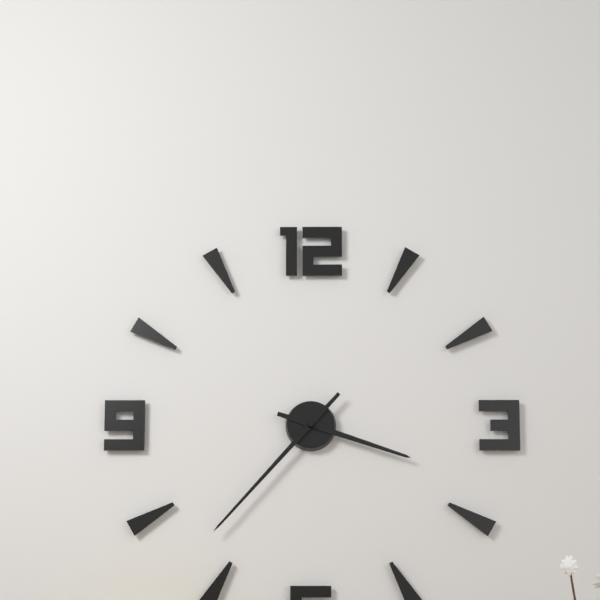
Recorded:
3.37
